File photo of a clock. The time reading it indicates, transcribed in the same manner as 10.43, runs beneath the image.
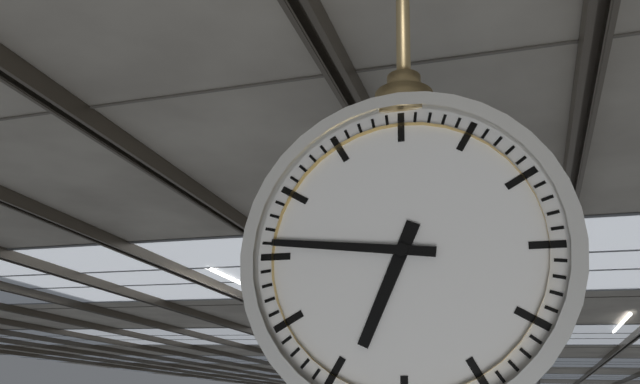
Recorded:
6.46
